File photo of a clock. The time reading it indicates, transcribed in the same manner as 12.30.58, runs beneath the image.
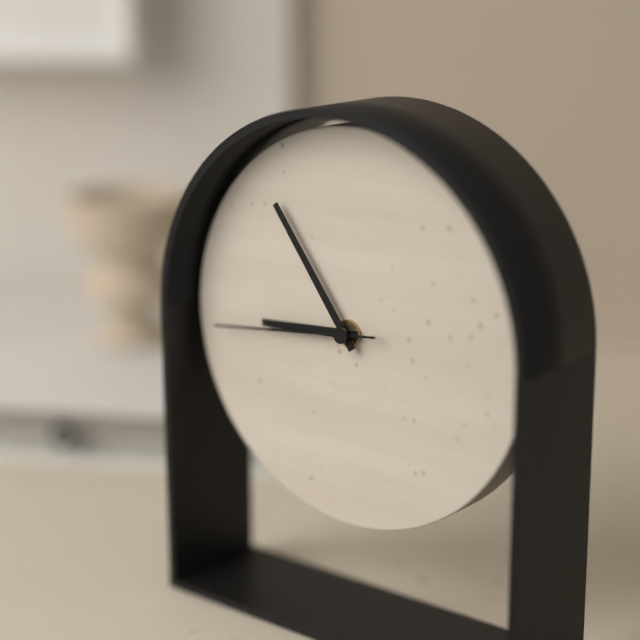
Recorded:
8.54.44
